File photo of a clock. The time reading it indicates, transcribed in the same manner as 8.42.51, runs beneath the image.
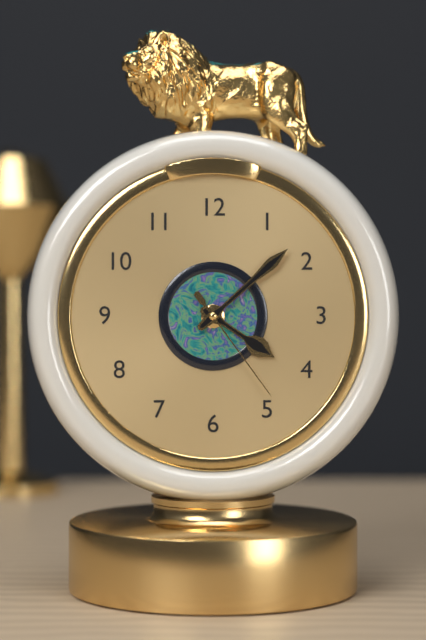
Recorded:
4.08.24
